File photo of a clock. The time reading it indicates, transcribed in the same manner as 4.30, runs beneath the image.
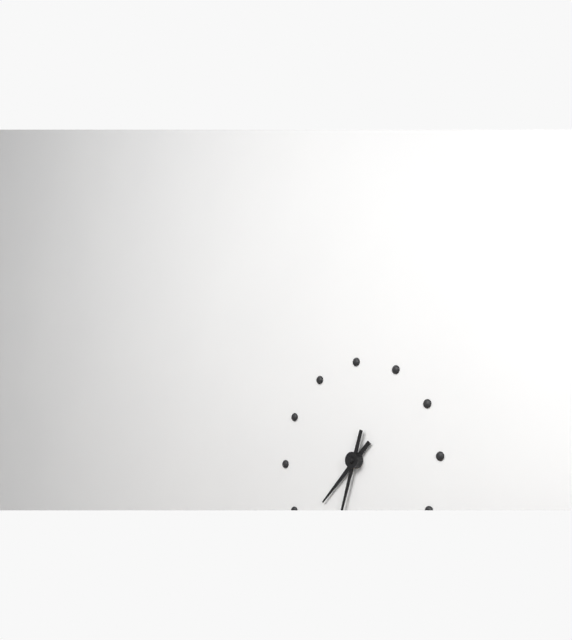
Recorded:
7.33
